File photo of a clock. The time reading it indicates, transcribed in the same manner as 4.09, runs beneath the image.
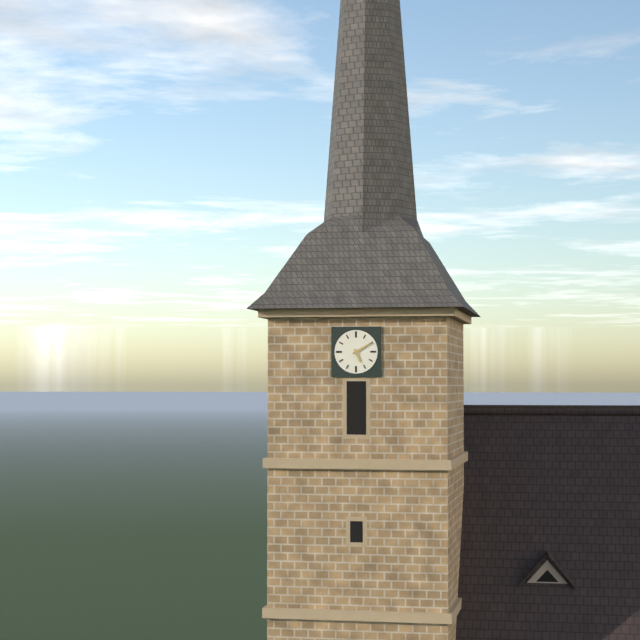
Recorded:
5.10
